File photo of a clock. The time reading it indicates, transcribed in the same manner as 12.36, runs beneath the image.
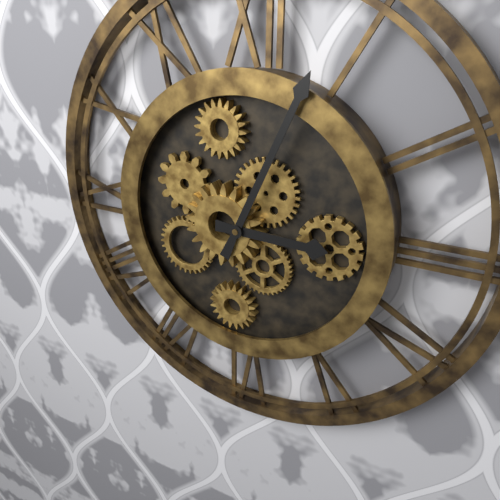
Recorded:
3.04
